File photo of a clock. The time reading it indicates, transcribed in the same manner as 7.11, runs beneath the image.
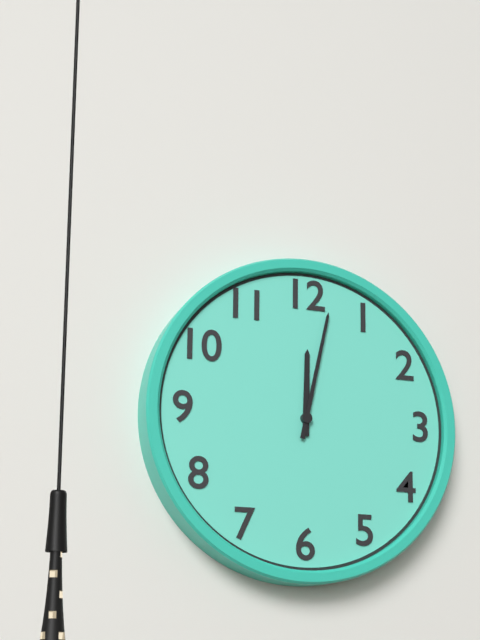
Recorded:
12.02
